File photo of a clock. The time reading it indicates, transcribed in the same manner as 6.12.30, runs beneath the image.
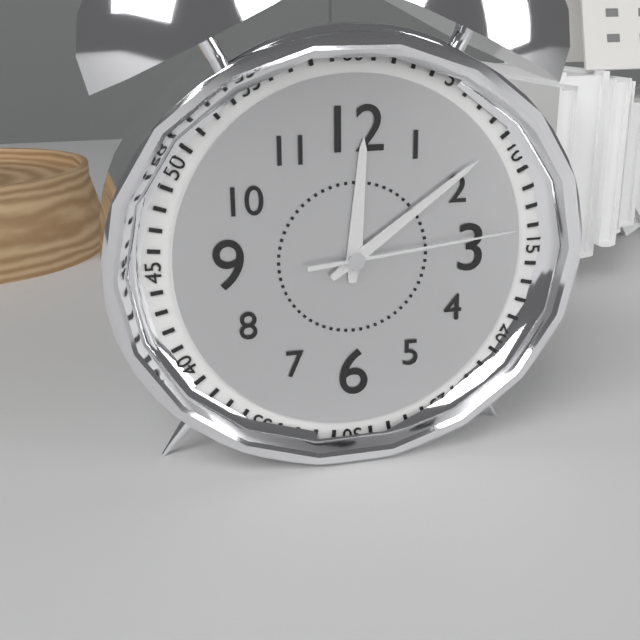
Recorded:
12.09.14
